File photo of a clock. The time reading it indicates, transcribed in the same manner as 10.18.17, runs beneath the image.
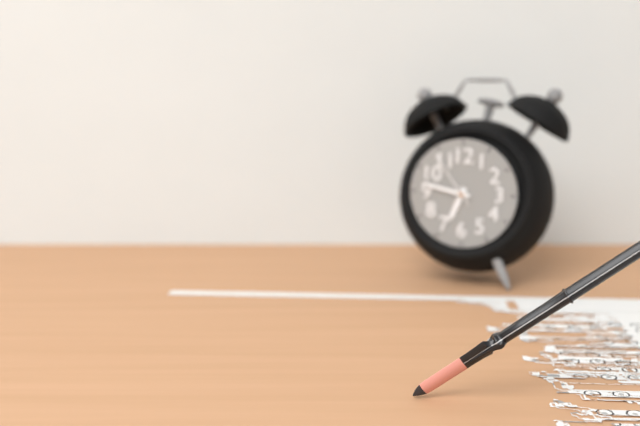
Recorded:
6.47.54
